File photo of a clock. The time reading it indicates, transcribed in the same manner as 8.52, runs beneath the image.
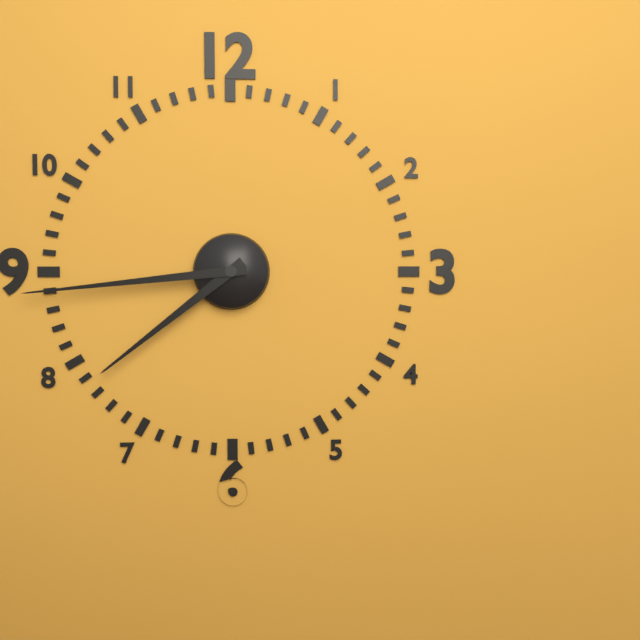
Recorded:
7.44
